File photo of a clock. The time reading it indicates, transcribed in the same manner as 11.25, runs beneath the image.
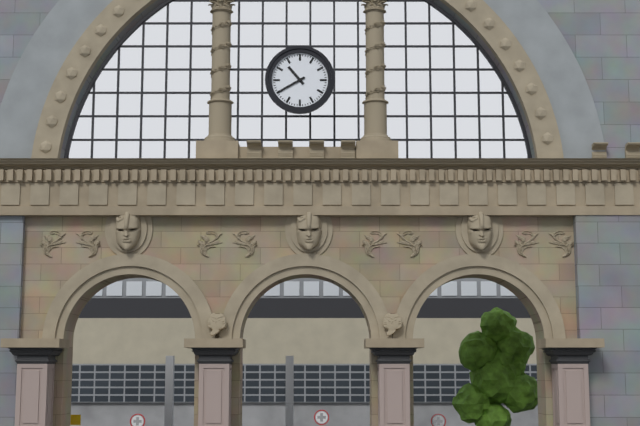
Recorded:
10.40
